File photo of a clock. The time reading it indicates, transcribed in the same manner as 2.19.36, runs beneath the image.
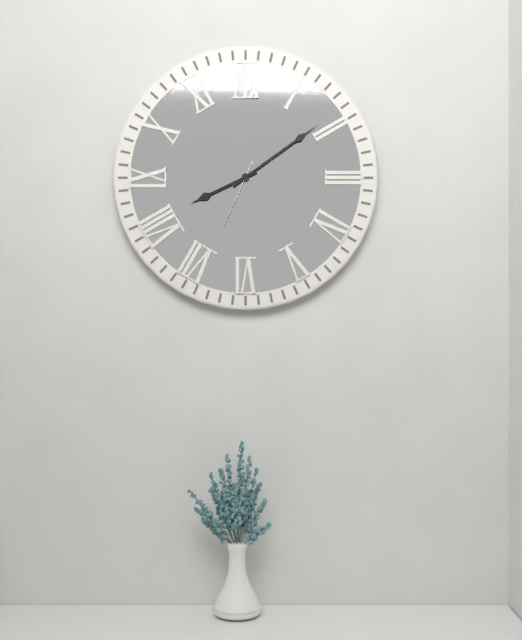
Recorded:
8.09.34
